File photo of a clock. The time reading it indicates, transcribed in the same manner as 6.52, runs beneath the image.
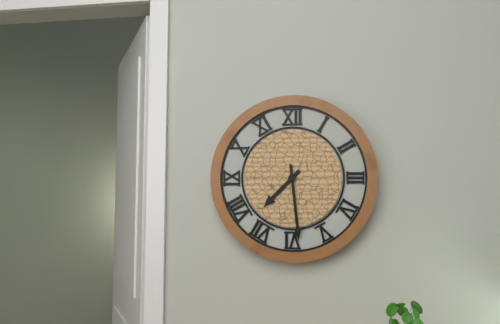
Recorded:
7.29
